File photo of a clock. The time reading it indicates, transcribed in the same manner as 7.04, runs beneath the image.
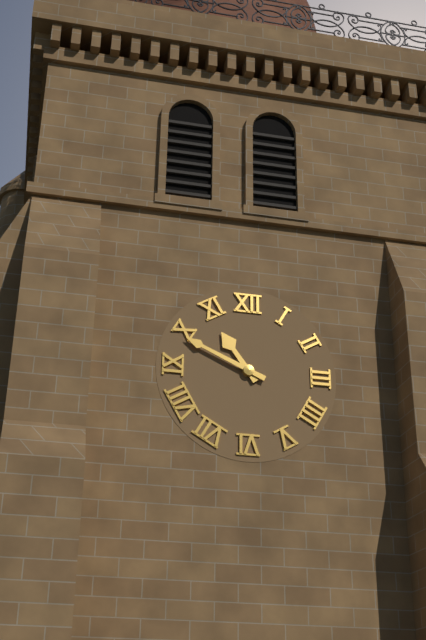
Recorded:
10.49
